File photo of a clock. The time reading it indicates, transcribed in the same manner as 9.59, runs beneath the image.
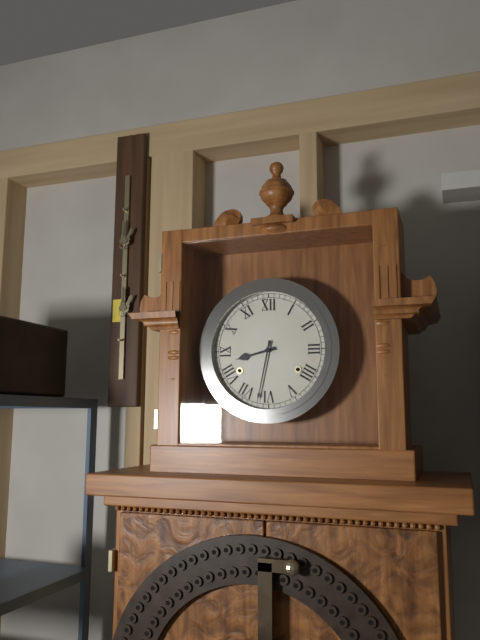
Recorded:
8.32
